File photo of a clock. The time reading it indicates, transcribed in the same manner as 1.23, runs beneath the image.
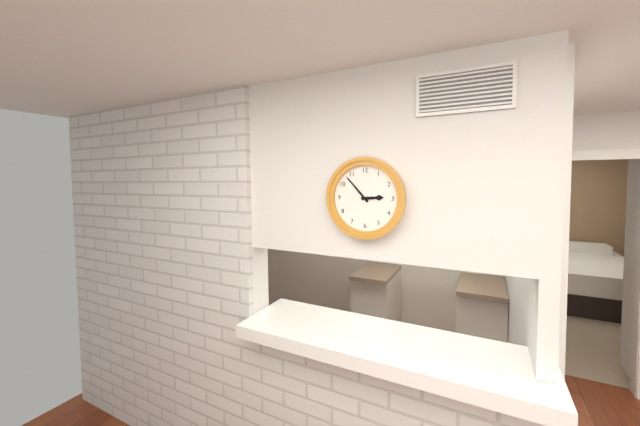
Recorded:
2.53
